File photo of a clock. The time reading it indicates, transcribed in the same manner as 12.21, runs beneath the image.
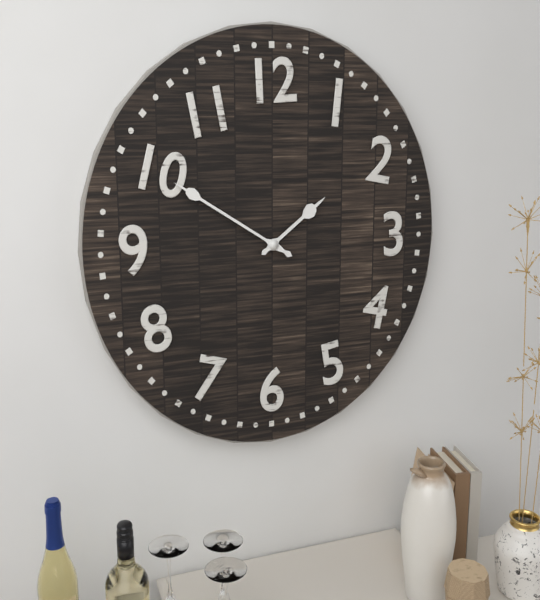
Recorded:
1.50
